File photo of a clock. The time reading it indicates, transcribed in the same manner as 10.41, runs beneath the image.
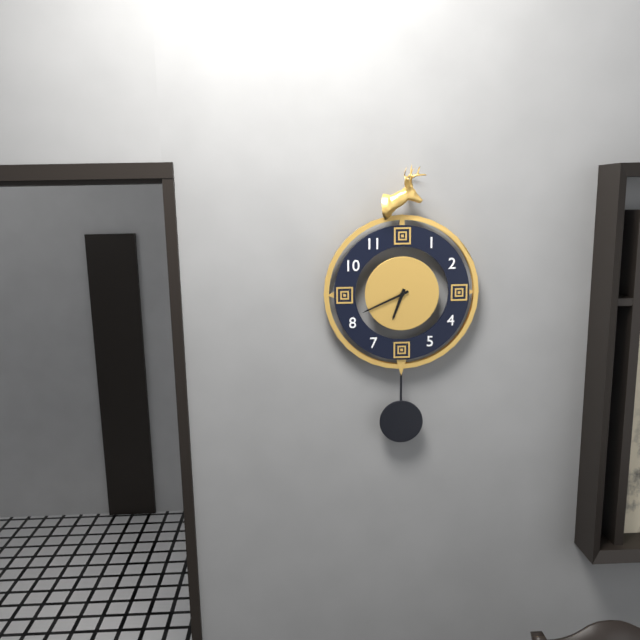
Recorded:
6.41
